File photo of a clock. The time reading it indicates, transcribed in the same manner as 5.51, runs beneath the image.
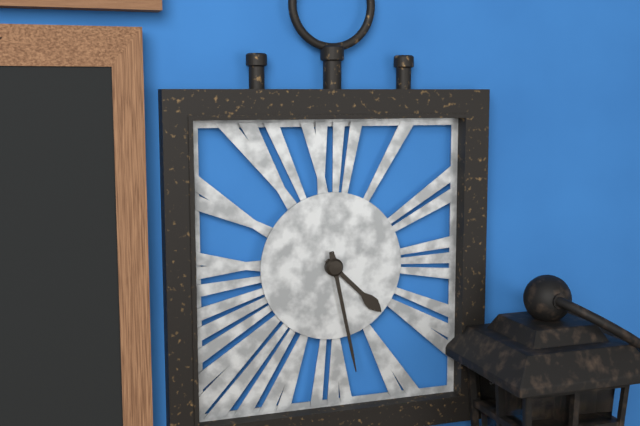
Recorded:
4.28
